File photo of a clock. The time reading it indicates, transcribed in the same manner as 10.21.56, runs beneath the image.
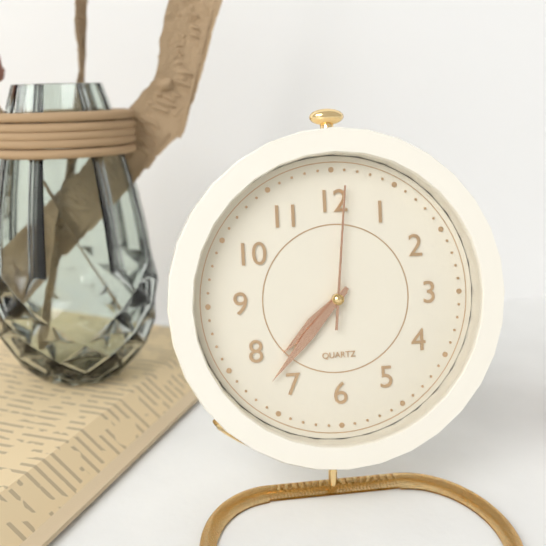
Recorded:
7.37.01
